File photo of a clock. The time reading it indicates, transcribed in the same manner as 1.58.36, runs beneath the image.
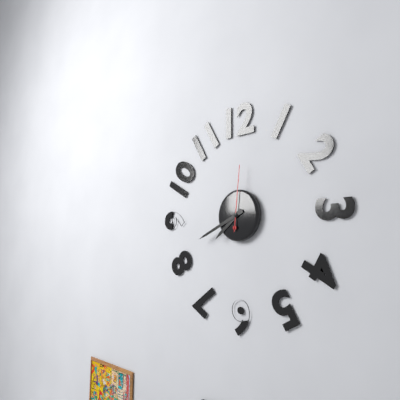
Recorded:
7.41.01
